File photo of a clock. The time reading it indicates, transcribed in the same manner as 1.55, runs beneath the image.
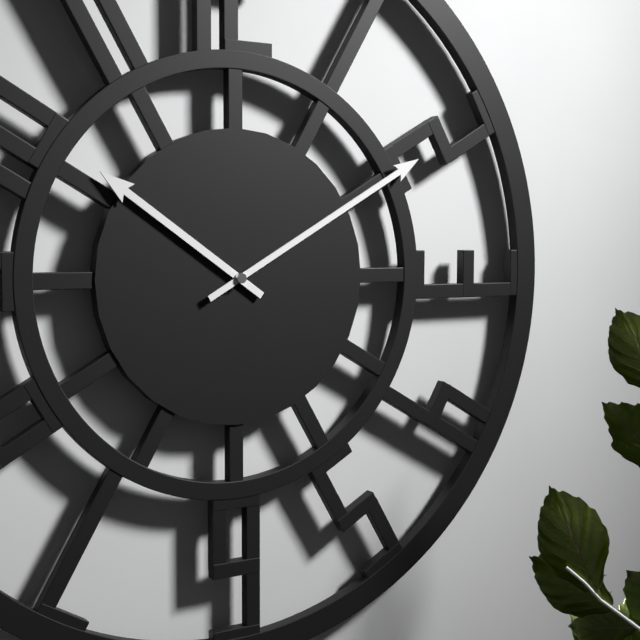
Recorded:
10.10
